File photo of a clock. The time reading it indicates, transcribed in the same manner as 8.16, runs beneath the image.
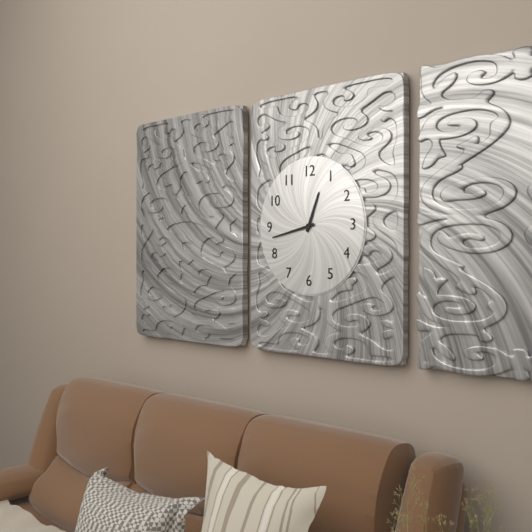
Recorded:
12.43
